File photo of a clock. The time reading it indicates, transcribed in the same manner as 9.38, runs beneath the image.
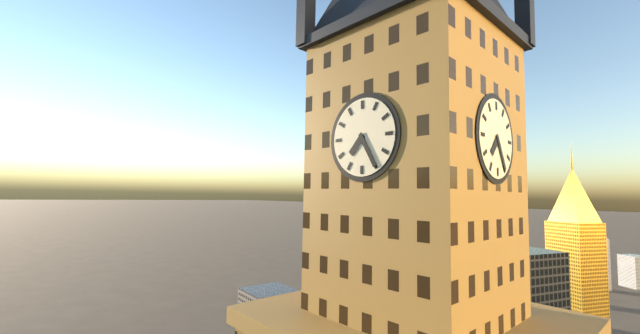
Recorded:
7.25
